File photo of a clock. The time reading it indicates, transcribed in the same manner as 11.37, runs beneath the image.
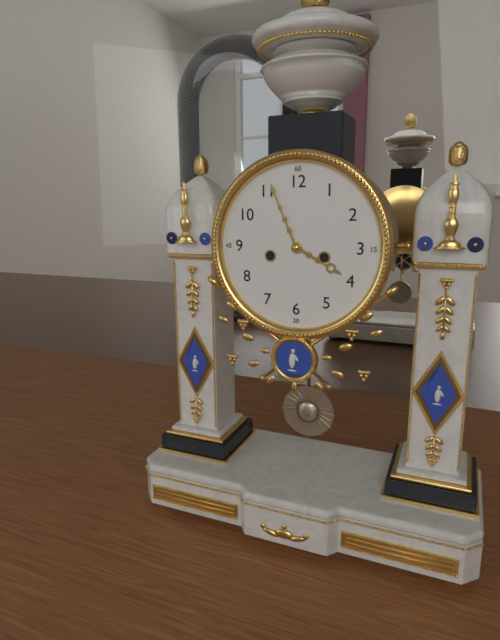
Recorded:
3.56
